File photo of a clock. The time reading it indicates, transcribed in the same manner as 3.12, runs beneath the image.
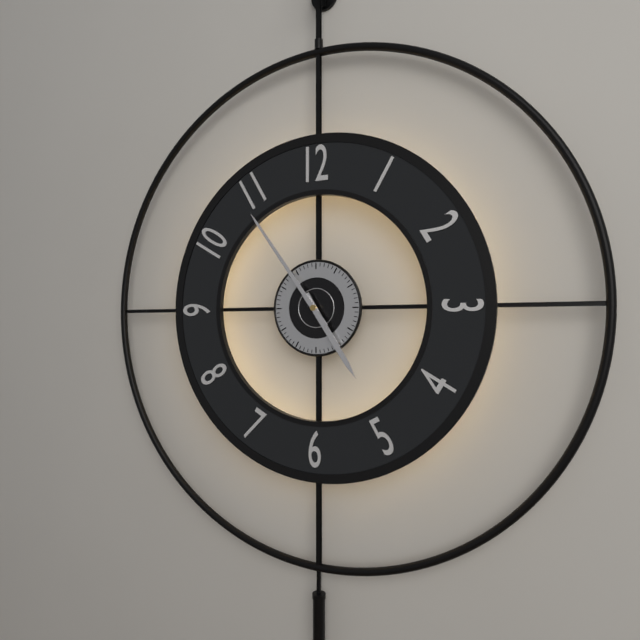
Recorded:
4.54
